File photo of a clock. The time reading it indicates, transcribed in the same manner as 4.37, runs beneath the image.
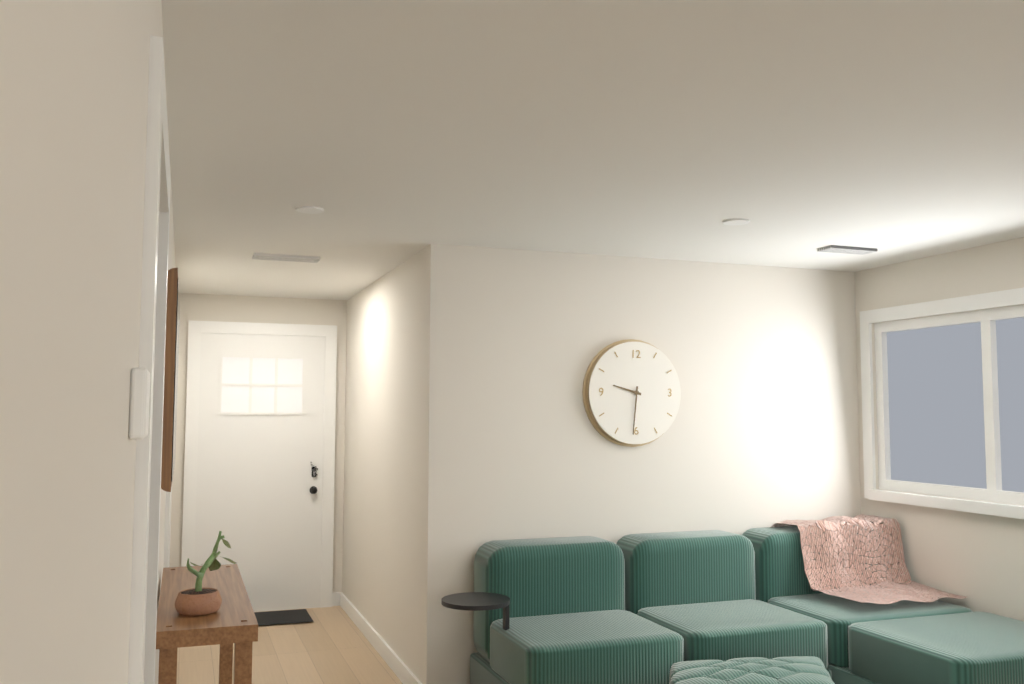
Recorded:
9.31
